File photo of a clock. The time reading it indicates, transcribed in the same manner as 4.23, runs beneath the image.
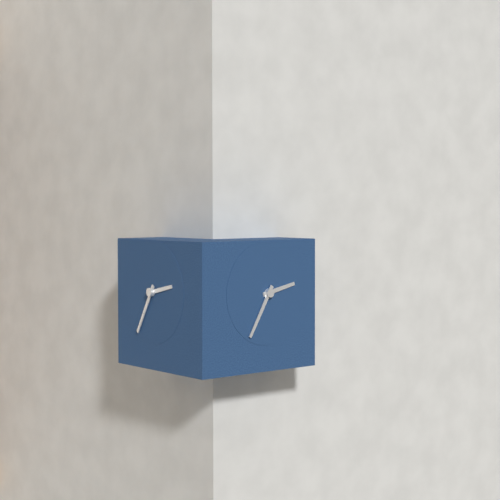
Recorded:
2.35
